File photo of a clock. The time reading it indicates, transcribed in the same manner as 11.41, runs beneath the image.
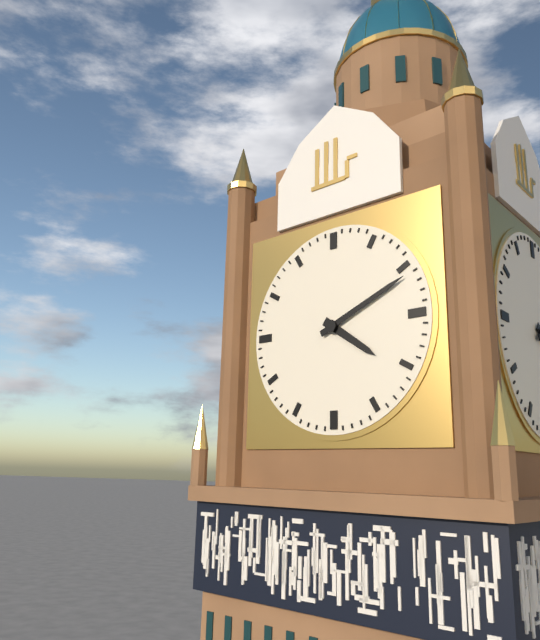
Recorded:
4.11
